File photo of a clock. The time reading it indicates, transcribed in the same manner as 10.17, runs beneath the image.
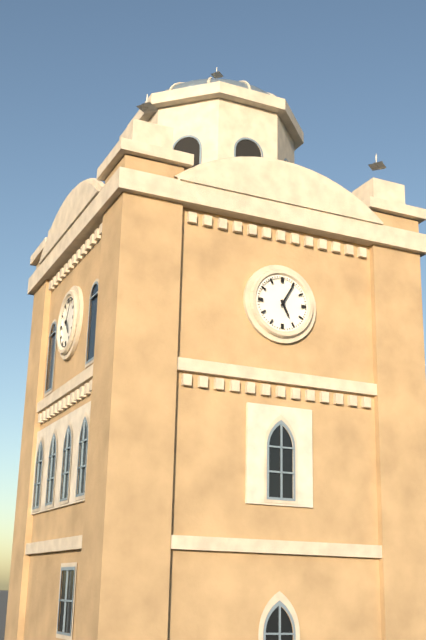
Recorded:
5.05
